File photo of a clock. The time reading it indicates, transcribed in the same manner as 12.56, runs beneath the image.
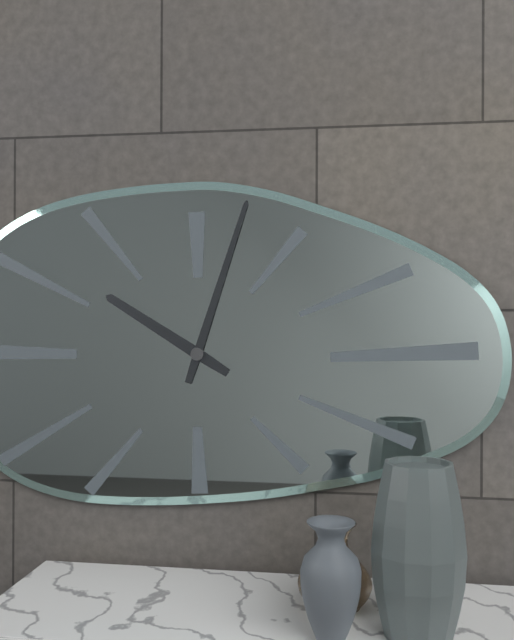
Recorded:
10.03
